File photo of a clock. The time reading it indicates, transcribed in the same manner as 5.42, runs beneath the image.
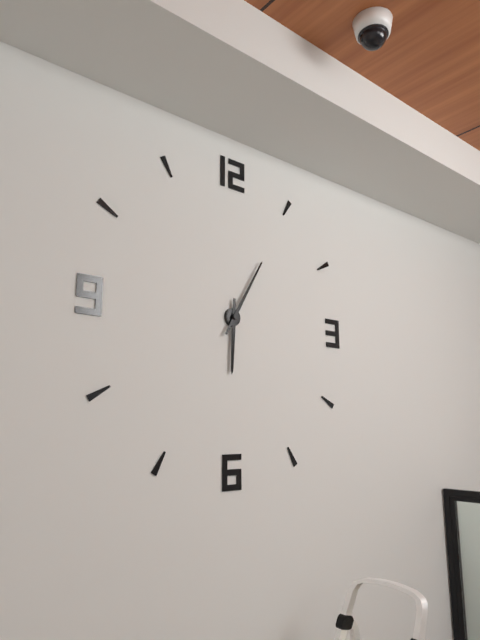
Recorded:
6.05
